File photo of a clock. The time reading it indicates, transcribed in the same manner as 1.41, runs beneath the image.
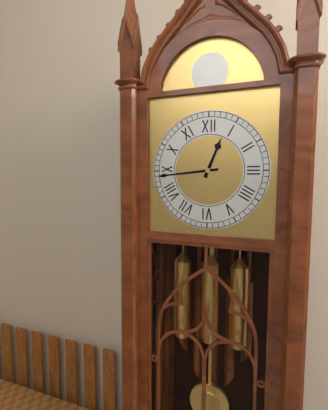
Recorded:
12.44
